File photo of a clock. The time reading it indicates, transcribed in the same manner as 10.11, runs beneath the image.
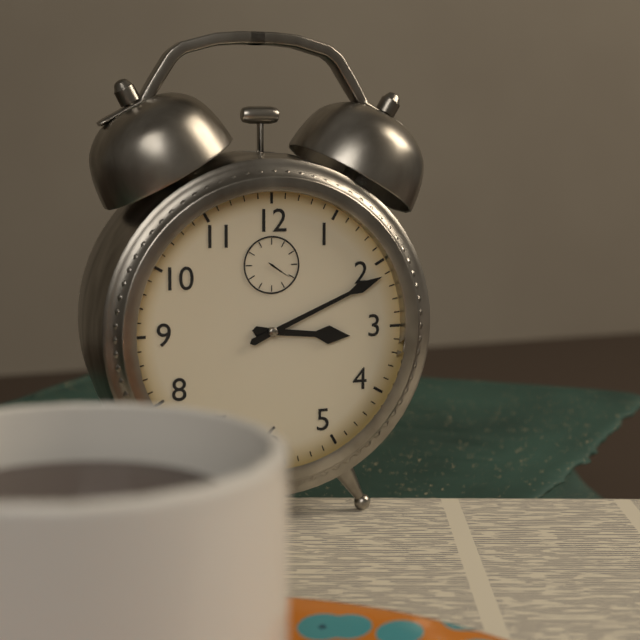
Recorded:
3.11
